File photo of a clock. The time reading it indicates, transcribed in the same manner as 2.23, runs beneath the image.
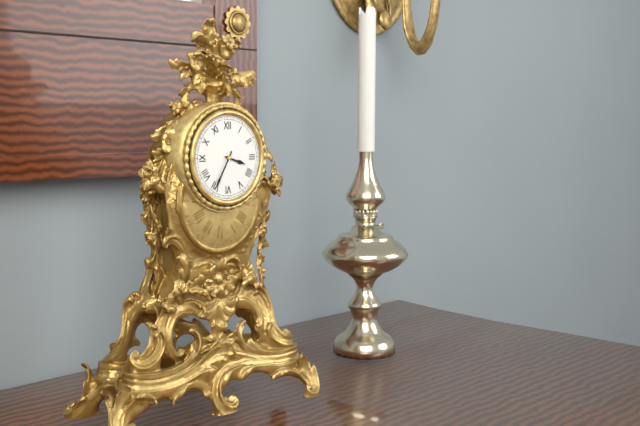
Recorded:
3.35
